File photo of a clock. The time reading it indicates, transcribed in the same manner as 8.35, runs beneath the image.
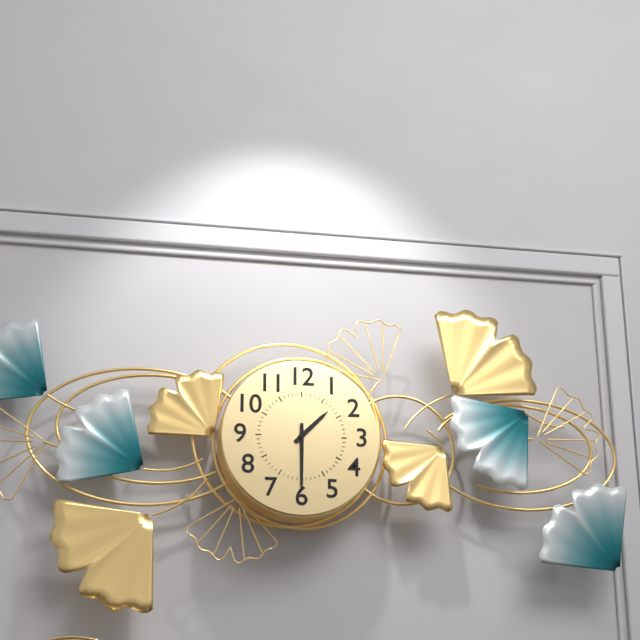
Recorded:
1.30
